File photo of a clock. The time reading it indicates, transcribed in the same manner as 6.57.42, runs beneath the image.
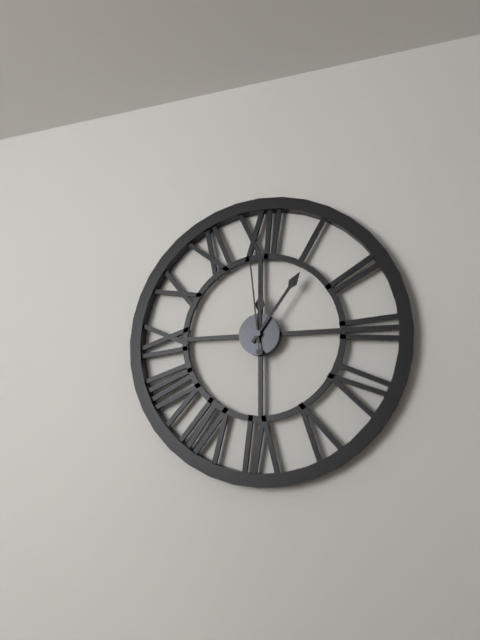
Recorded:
12.06.59
